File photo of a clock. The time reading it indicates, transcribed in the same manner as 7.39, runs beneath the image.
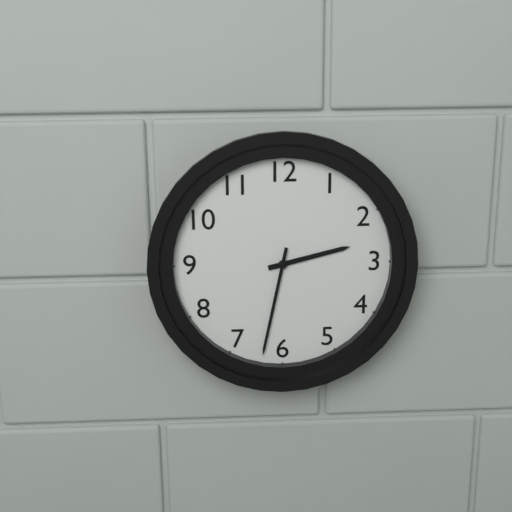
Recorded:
2.32
